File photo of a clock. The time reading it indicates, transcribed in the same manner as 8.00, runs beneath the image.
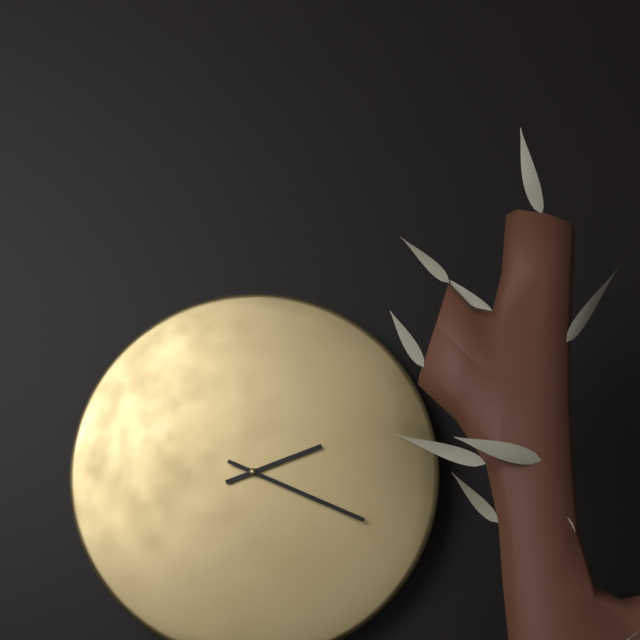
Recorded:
2.19
